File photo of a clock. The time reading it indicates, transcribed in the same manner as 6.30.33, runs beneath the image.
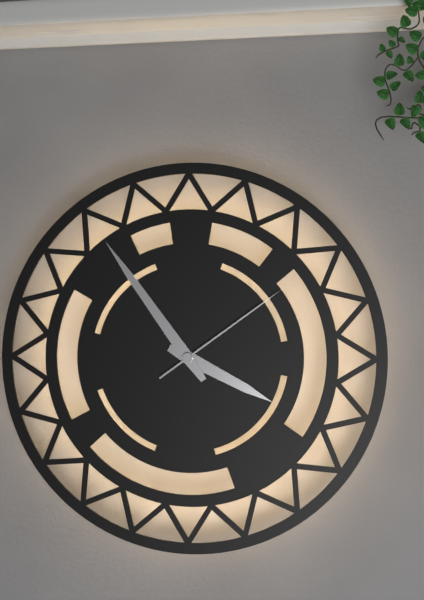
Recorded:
3.54.09
